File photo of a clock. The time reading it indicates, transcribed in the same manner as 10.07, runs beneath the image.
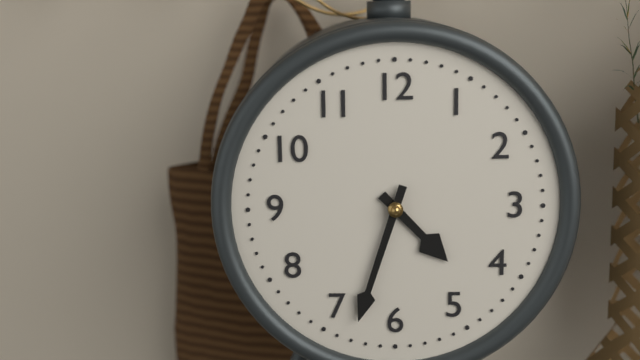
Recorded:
4.33
